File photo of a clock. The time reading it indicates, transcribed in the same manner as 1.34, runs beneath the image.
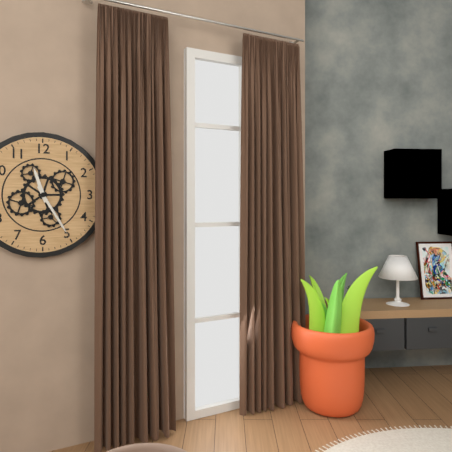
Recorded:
11.25
